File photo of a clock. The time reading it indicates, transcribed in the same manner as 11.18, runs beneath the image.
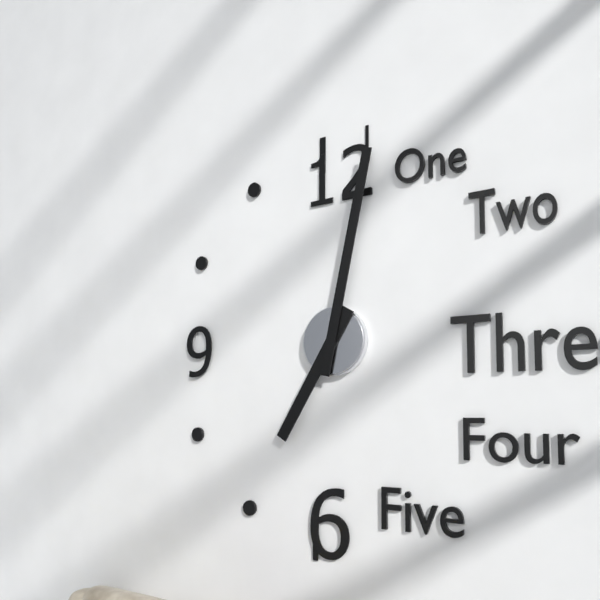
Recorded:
7.02
